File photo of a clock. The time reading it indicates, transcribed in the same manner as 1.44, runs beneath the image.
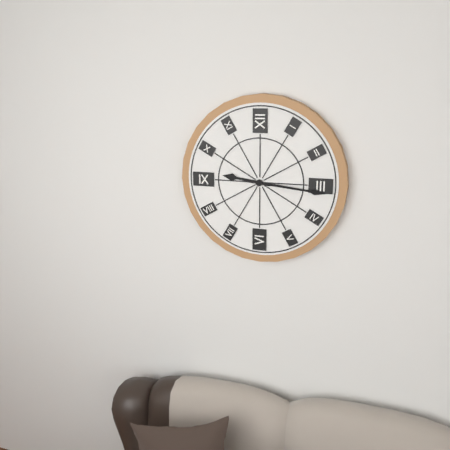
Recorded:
9.16
